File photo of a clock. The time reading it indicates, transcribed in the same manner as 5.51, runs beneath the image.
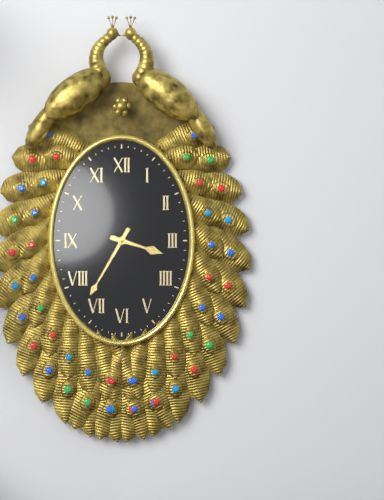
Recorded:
3.35
